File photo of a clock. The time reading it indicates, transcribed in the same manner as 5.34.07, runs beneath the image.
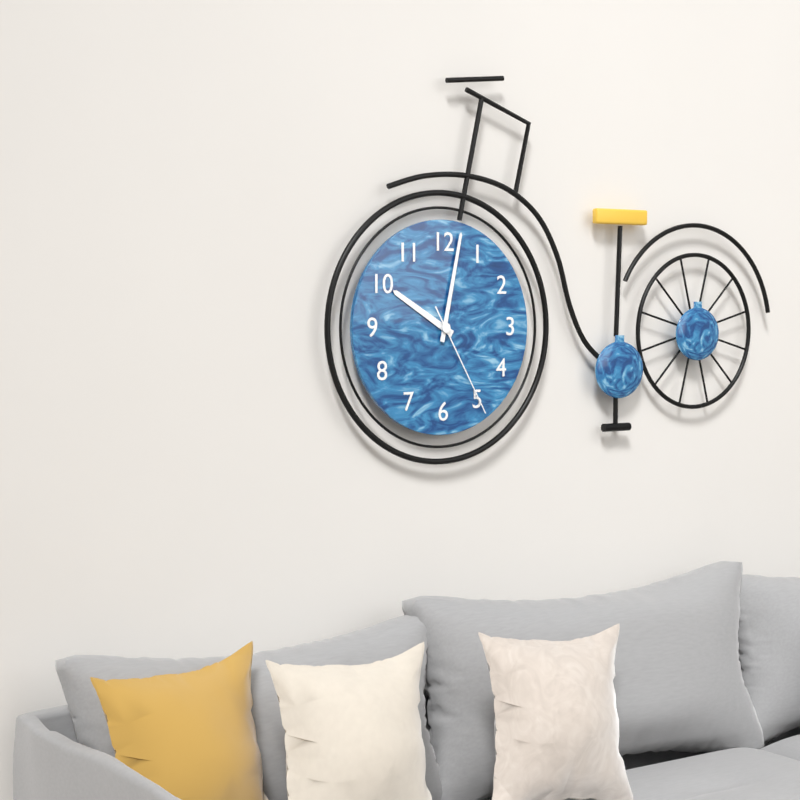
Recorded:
10.02.25
